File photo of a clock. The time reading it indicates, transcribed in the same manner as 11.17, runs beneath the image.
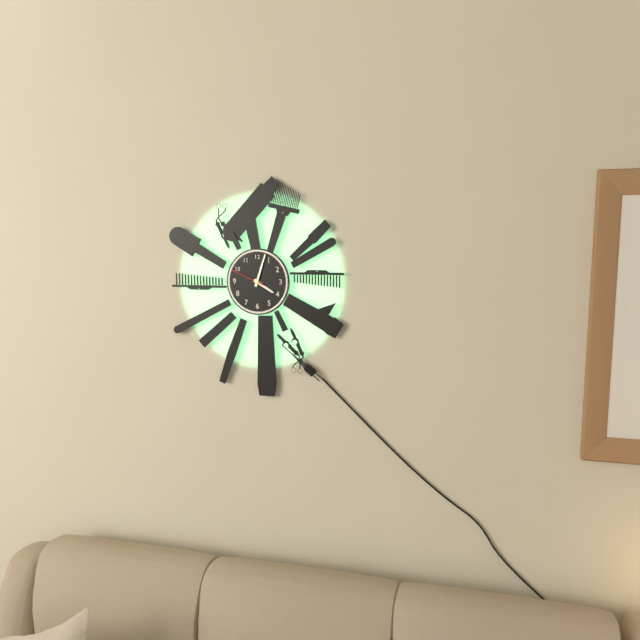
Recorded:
4.03
